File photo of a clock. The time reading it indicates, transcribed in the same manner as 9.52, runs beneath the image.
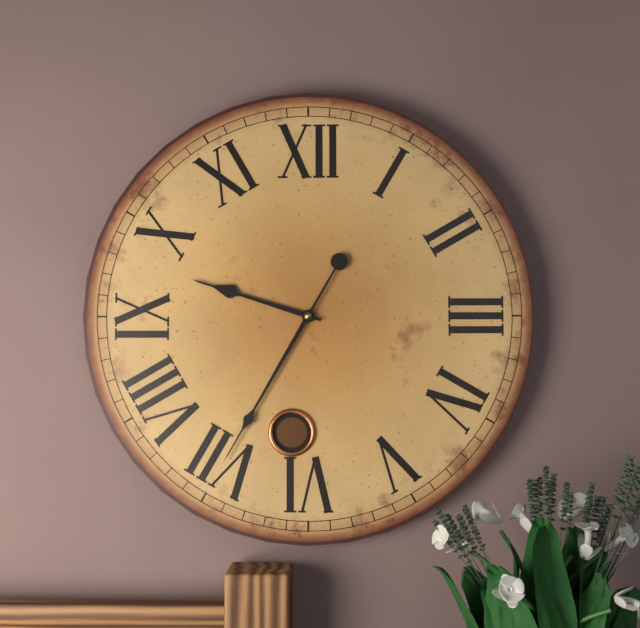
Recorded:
9.35
